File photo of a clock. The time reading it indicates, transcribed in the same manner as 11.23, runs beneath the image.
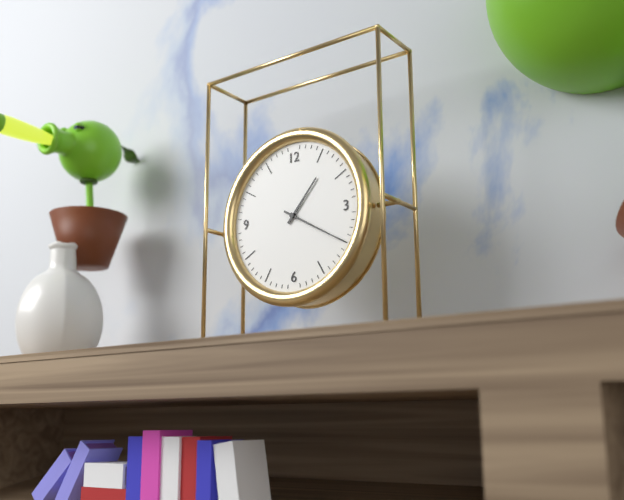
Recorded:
1.20
